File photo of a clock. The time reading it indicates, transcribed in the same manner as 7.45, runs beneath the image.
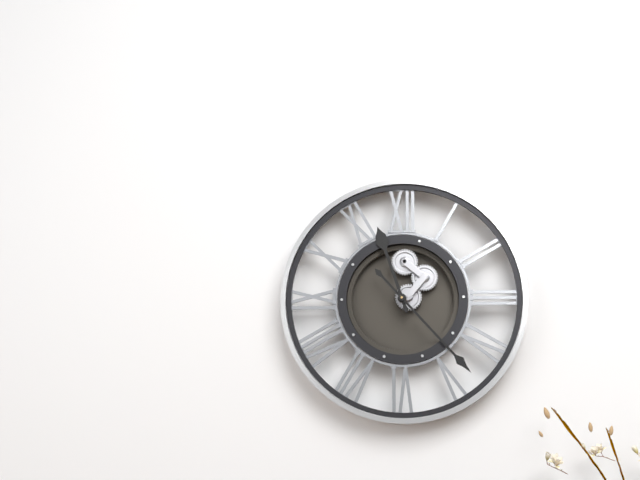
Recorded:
11.23
